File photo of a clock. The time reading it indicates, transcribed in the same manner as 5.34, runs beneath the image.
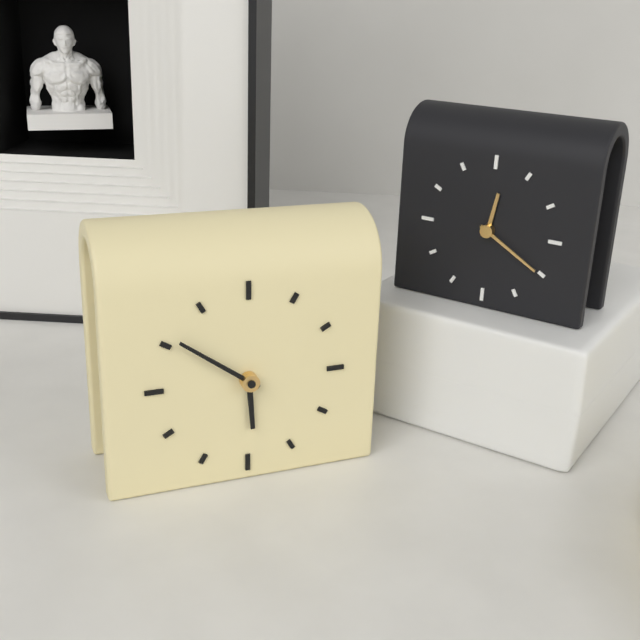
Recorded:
5.51
